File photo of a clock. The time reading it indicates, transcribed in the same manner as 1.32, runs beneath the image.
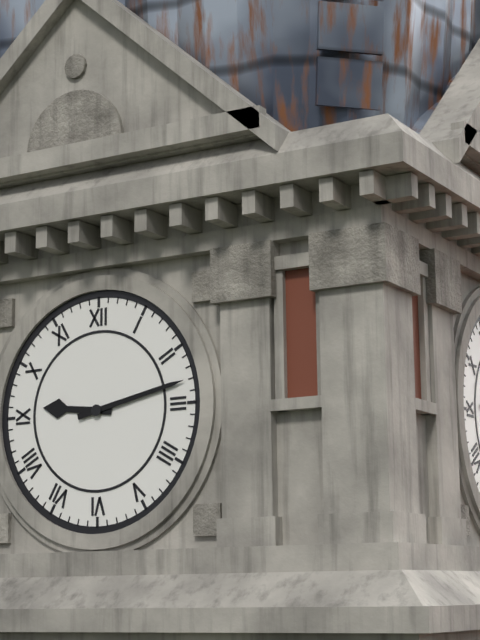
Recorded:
9.13
